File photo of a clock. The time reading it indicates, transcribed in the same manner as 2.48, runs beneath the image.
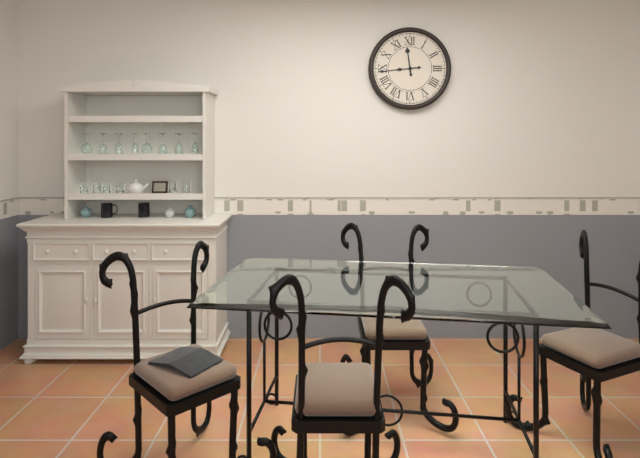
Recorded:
11.44
